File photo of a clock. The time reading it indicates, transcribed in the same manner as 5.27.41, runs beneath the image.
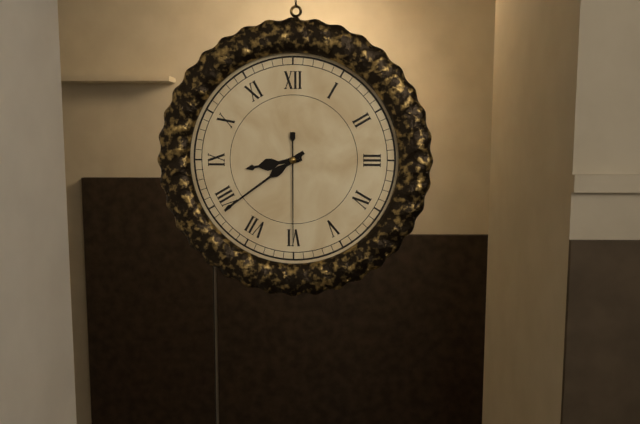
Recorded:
8.39.30
